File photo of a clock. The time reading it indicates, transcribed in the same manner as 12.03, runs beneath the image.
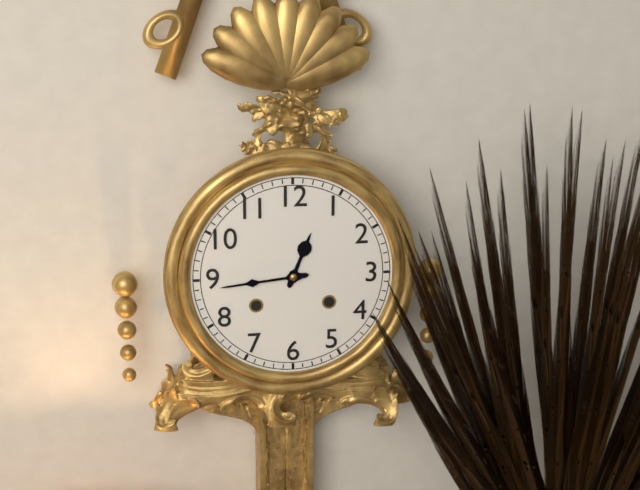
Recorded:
12.44
